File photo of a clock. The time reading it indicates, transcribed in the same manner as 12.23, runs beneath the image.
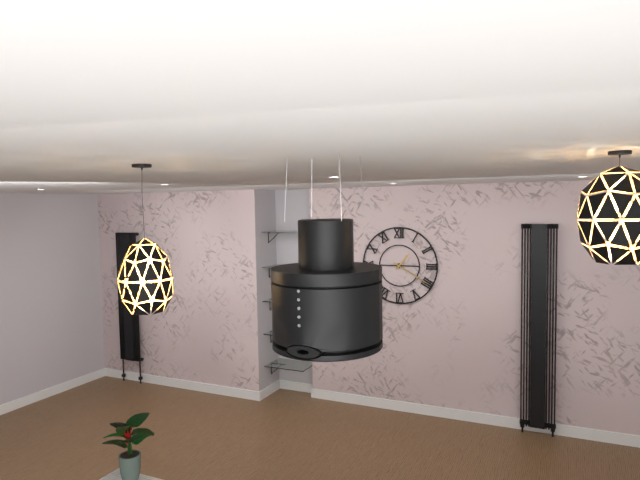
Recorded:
1.20
